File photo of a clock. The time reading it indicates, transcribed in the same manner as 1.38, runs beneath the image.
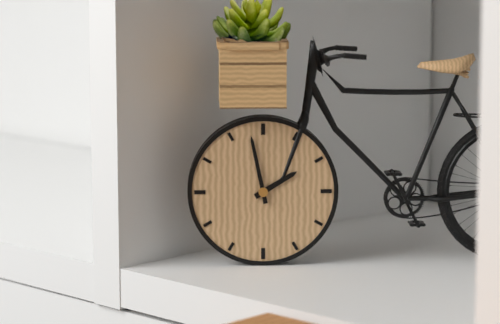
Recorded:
1.58
